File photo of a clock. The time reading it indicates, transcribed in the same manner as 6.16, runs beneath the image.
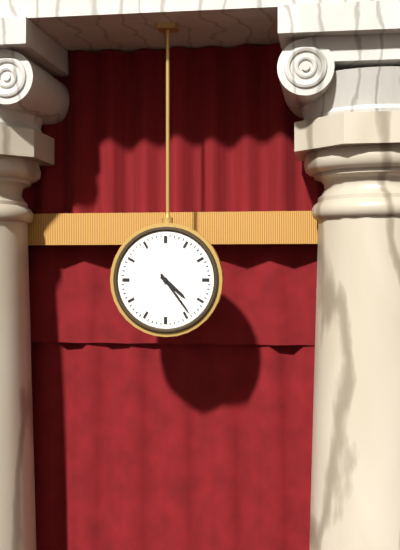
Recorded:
4.24
